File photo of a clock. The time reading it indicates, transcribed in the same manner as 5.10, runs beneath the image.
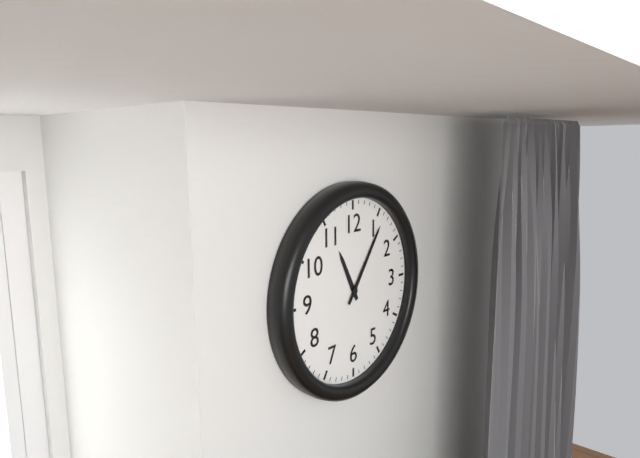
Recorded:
11.06
